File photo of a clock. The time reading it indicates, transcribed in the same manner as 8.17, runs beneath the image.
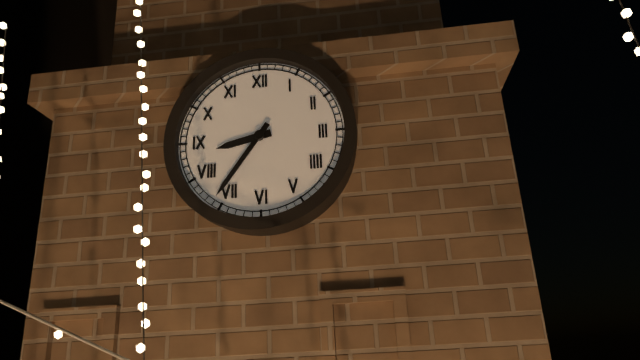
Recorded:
8.36
